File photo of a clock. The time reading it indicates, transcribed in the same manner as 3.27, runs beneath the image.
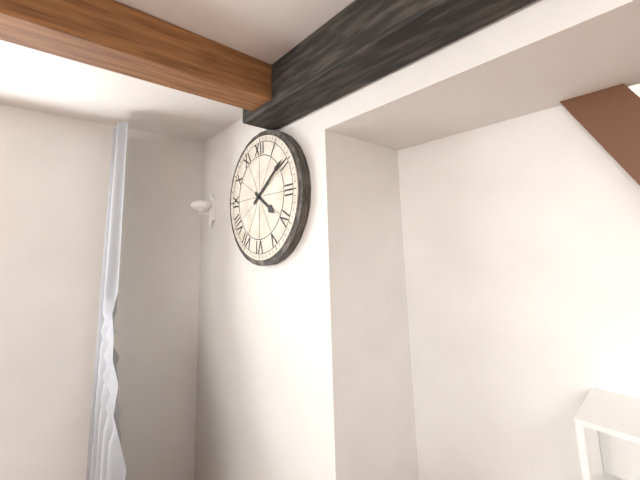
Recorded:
4.09
